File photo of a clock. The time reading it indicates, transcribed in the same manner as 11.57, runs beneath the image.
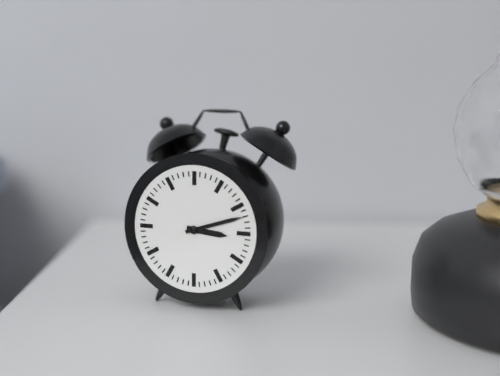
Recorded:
3.12
